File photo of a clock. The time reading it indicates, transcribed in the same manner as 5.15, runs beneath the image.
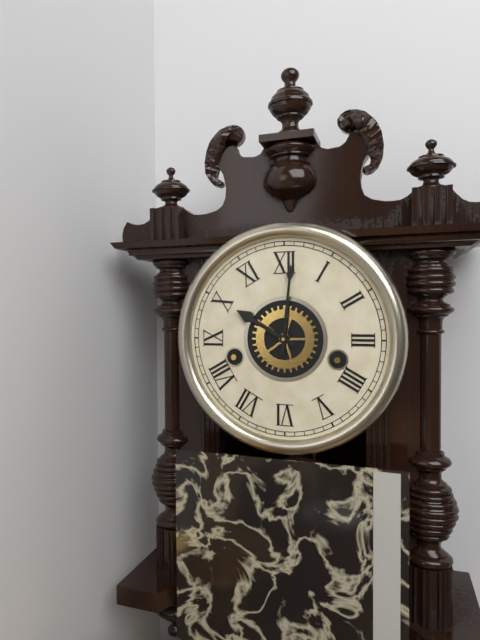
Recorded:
10.01
